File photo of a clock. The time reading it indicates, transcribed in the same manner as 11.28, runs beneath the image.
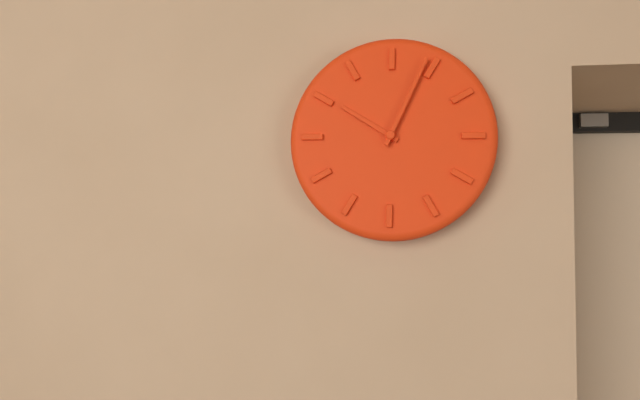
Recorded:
10.04
